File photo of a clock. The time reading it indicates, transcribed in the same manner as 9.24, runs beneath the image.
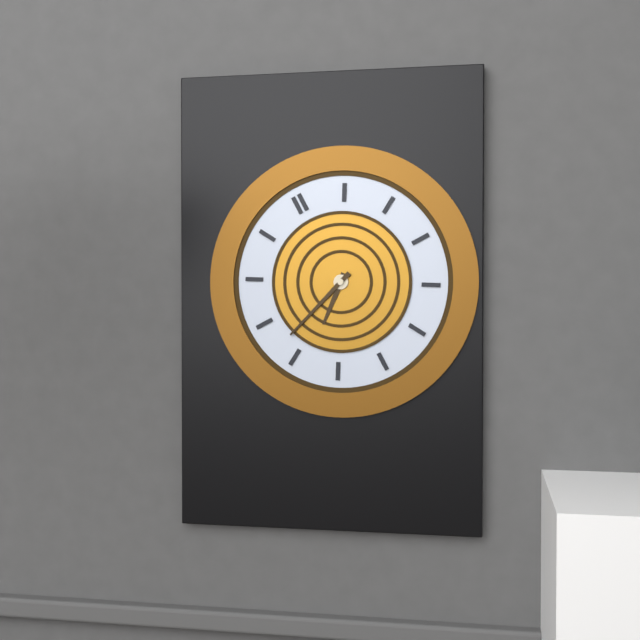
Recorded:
7.42
